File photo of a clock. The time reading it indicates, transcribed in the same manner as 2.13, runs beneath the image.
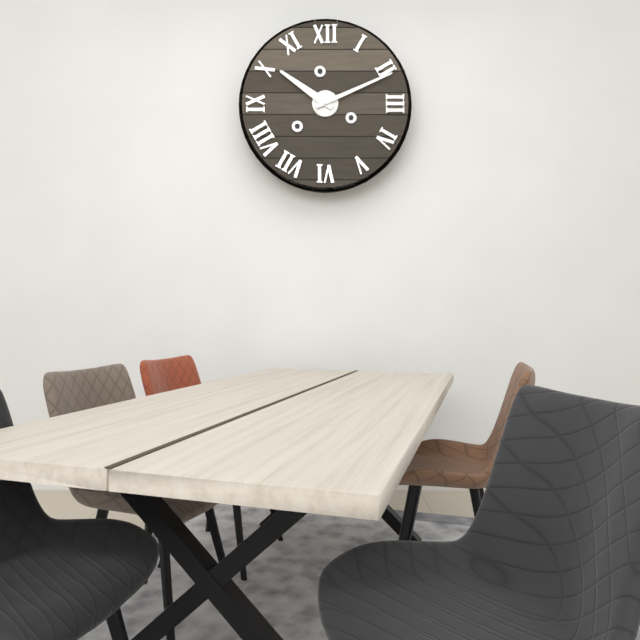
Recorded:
10.11
